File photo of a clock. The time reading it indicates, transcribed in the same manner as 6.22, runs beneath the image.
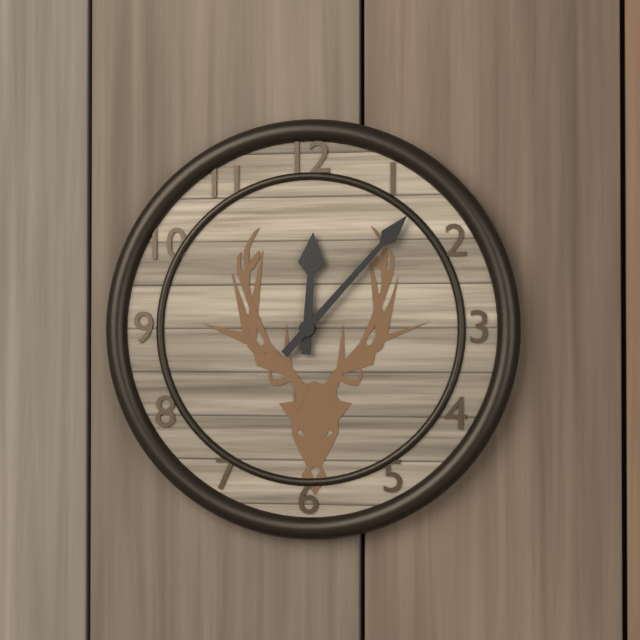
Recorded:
12.07
